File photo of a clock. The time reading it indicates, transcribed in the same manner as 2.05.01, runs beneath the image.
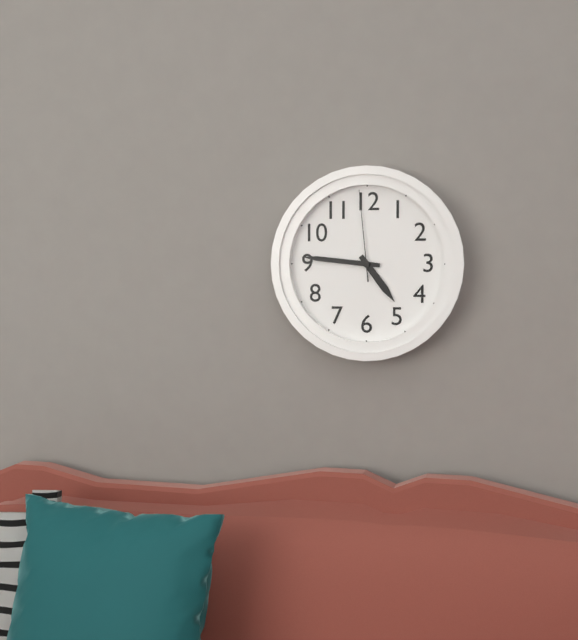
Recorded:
4.46.59
